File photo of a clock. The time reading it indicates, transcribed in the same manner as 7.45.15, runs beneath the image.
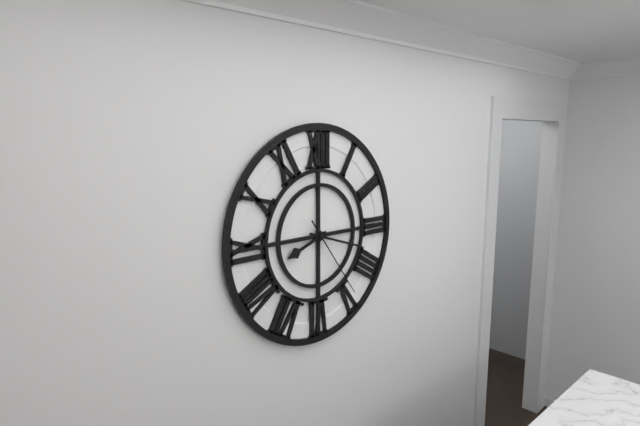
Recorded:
8.18.24
